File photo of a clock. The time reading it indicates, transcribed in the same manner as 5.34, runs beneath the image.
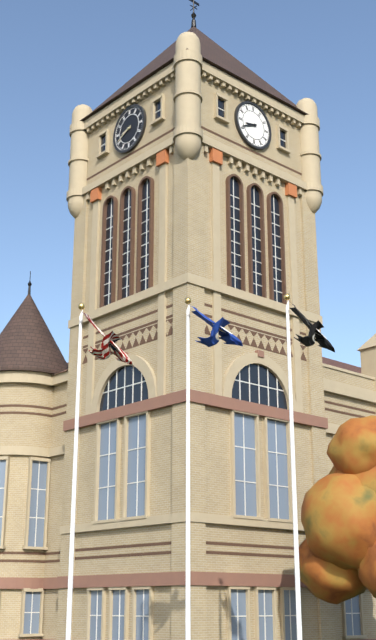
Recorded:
8.41
